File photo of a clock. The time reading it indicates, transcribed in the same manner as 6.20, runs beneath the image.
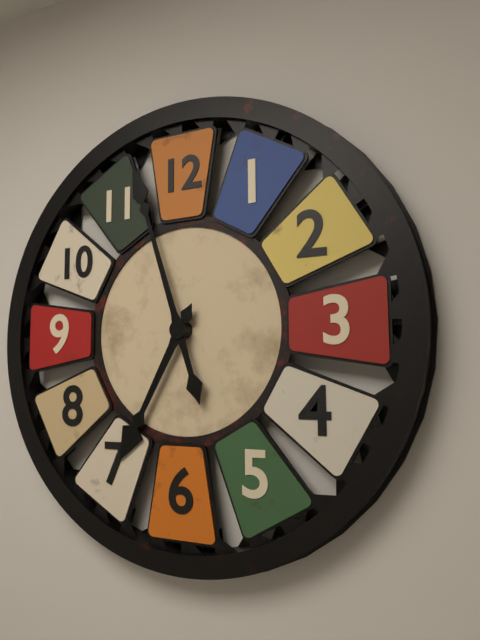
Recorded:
6.57
